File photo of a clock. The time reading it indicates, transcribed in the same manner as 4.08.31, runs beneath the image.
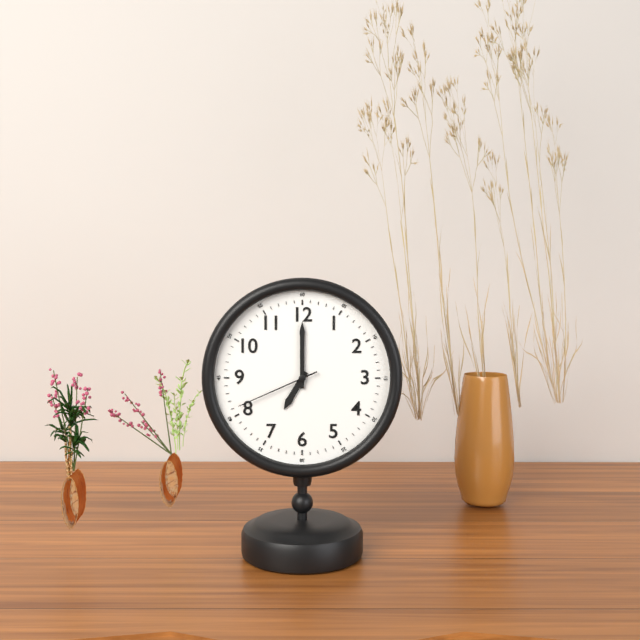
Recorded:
7.00.41
